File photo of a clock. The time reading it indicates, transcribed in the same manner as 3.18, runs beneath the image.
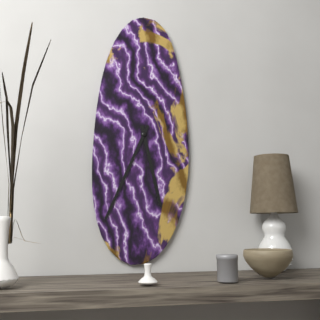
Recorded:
5.34
